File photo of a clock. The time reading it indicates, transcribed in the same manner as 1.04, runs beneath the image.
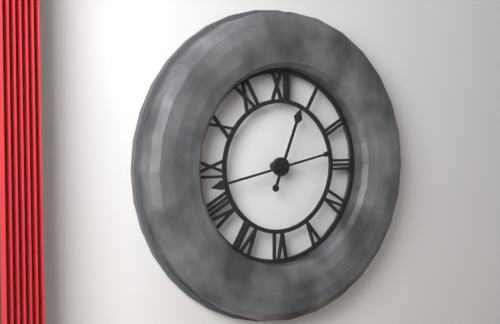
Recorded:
12.43
